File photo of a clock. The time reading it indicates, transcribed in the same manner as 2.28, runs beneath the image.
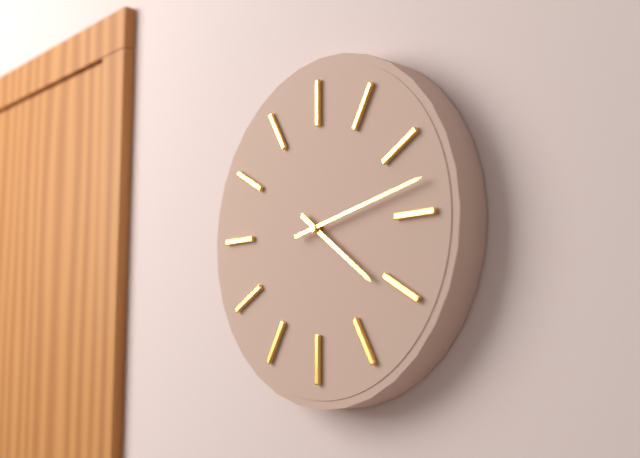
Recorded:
4.13
